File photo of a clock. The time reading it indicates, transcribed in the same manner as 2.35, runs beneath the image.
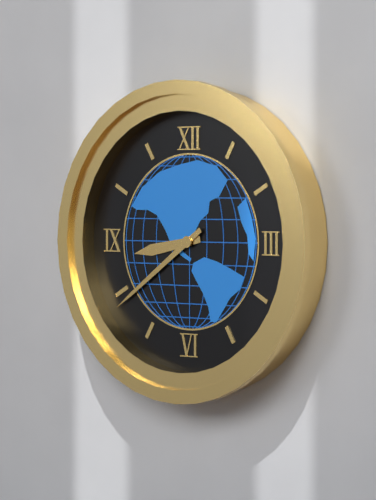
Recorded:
8.39
